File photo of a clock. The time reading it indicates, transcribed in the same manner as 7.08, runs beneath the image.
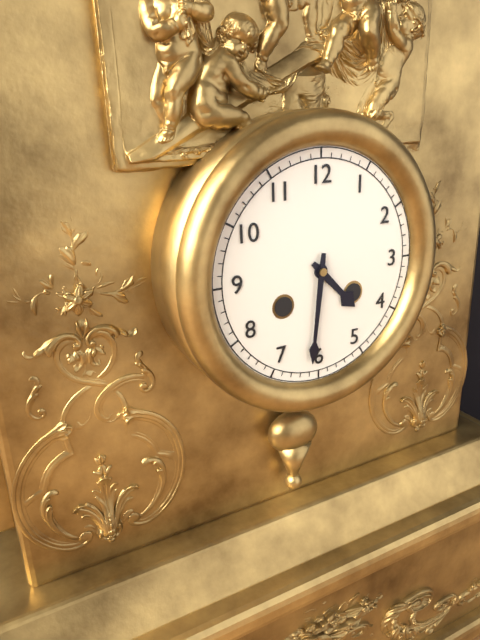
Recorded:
4.31
